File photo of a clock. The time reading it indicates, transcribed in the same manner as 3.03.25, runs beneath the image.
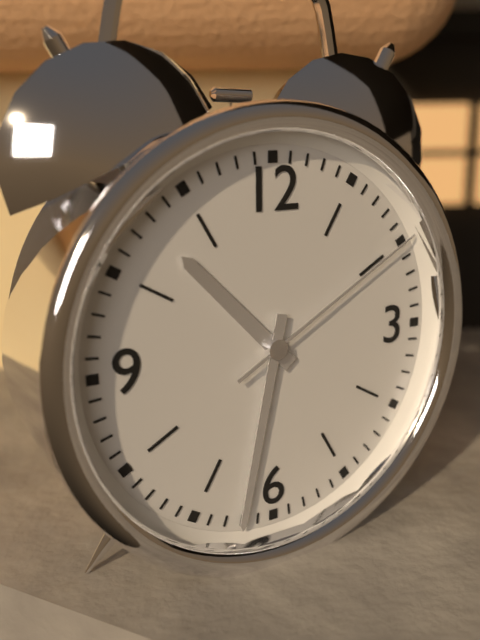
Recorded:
10.32.10
